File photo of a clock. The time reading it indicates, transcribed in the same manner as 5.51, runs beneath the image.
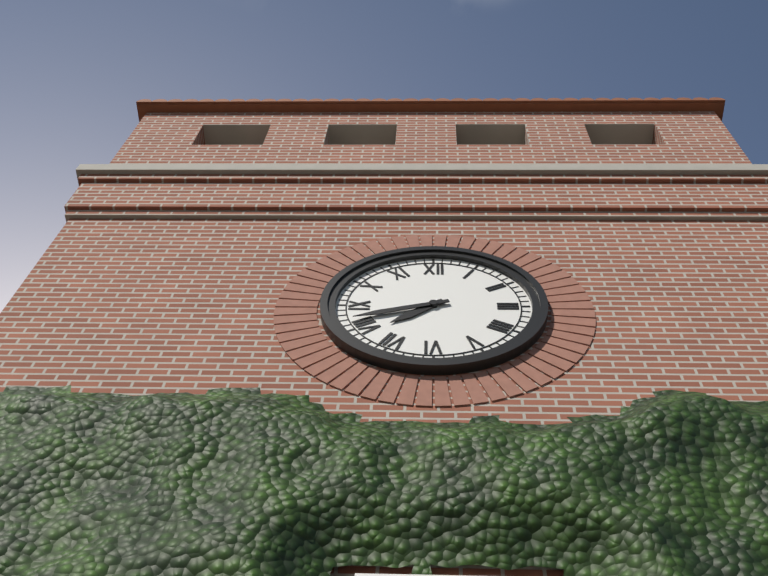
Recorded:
7.42
